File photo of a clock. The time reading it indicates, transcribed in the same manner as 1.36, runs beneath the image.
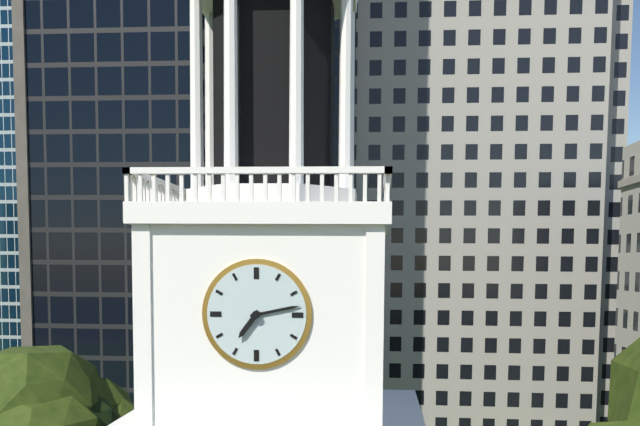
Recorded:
7.13
